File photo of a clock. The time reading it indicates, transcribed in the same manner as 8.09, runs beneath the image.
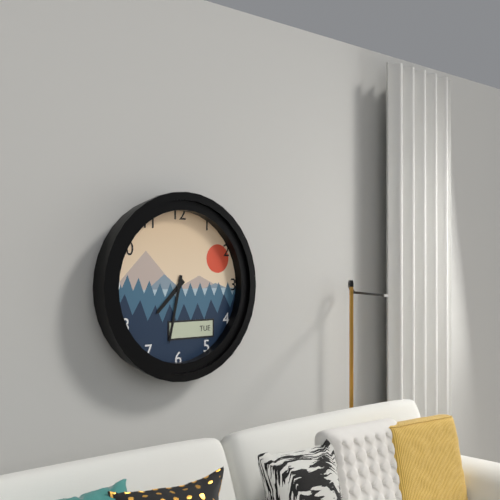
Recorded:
7.32
